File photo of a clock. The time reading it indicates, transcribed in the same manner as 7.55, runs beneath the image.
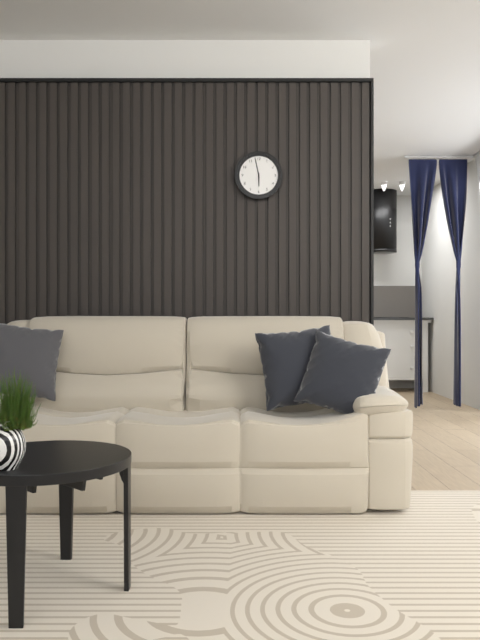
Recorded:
5.58
